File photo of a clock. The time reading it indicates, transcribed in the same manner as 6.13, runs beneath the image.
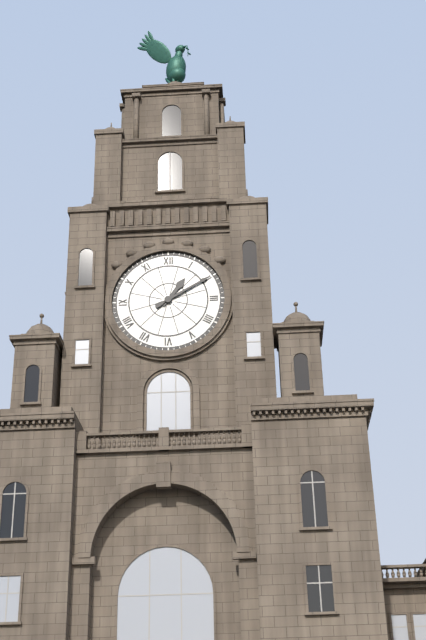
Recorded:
1.10
